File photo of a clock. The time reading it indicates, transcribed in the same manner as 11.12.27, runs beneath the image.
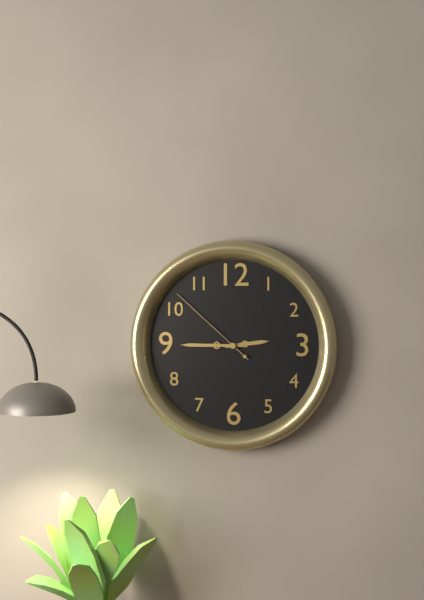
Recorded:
2.45.52
